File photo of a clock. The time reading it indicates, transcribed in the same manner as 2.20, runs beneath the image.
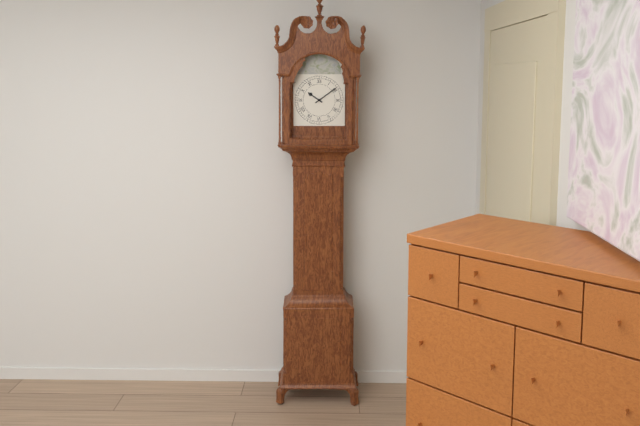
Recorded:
10.09
